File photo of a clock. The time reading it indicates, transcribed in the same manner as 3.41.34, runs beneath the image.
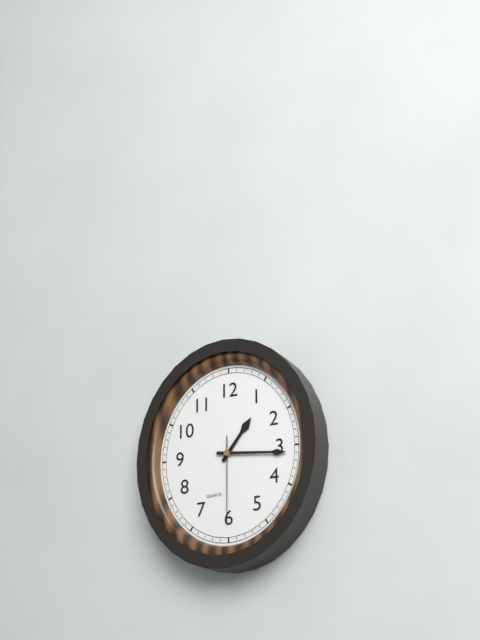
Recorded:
1.16.30
